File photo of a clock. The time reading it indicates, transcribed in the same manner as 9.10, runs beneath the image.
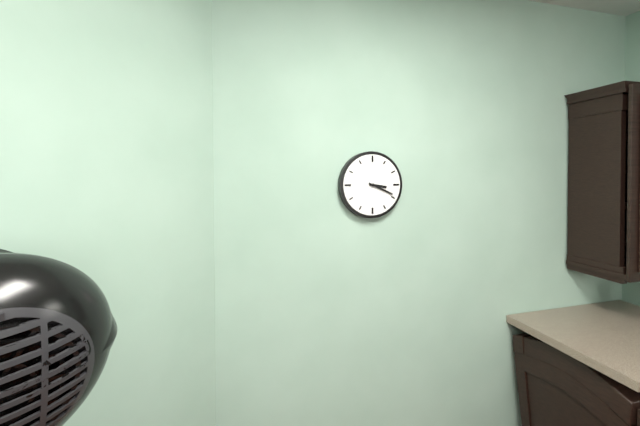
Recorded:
3.19
